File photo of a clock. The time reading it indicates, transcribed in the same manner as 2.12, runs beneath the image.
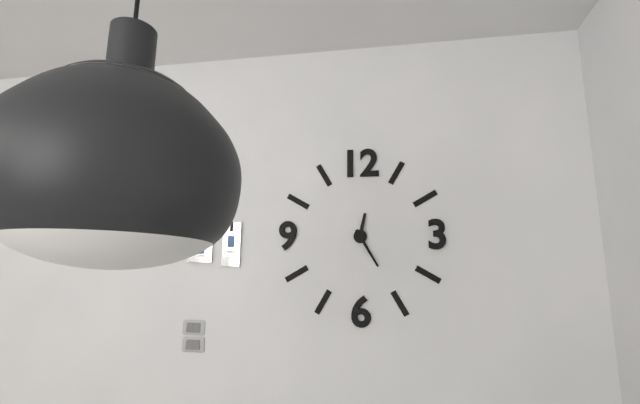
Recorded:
12.25
